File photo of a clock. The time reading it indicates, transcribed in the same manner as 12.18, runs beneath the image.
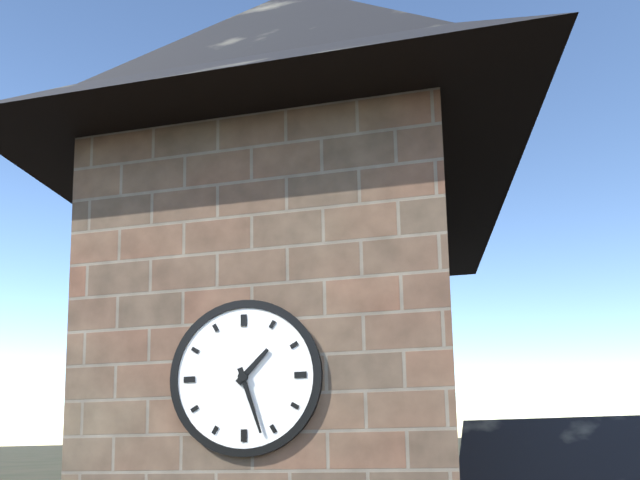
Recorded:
1.27
